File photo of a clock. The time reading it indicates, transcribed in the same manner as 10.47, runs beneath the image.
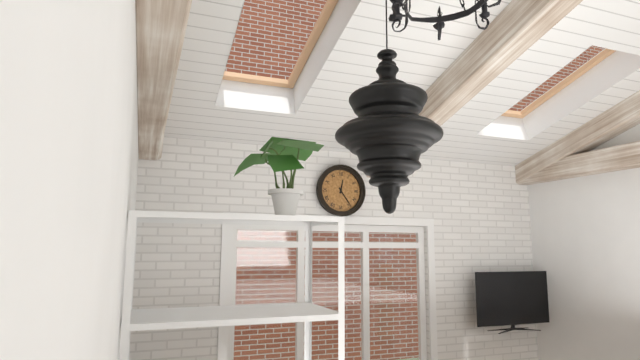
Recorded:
12.24
